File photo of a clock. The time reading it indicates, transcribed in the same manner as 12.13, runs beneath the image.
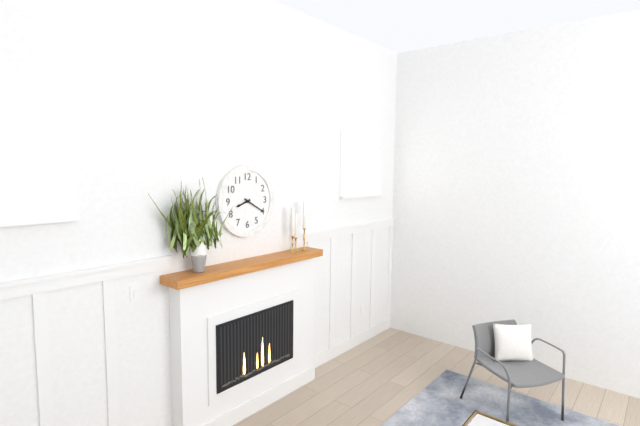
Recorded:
8.20
